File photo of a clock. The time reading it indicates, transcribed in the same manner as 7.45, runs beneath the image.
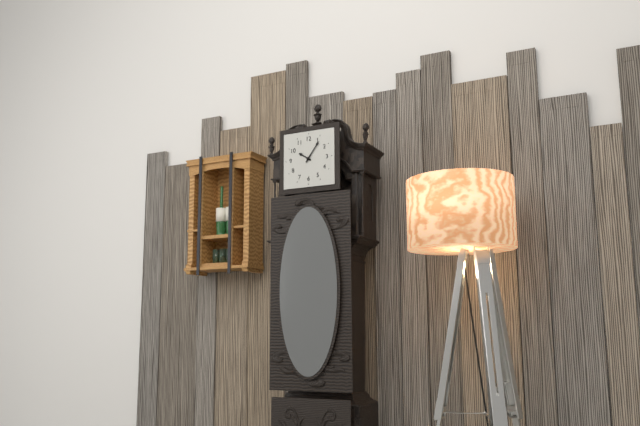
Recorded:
10.06
